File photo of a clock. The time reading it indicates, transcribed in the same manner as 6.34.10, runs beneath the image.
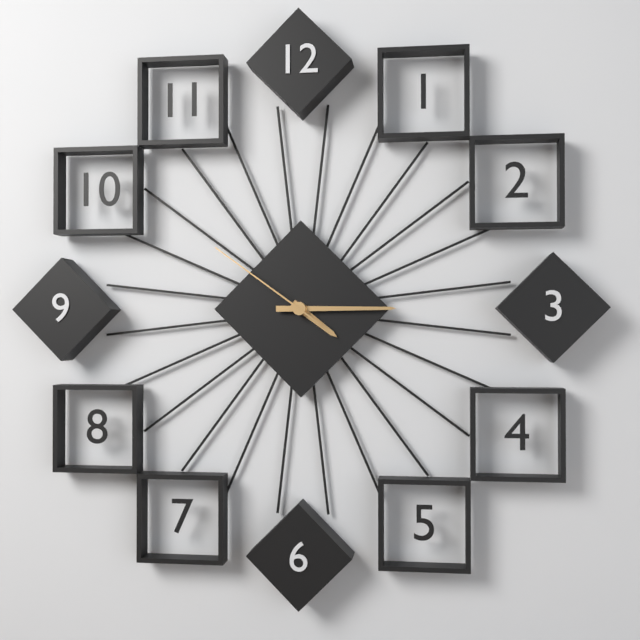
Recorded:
4.15.51
